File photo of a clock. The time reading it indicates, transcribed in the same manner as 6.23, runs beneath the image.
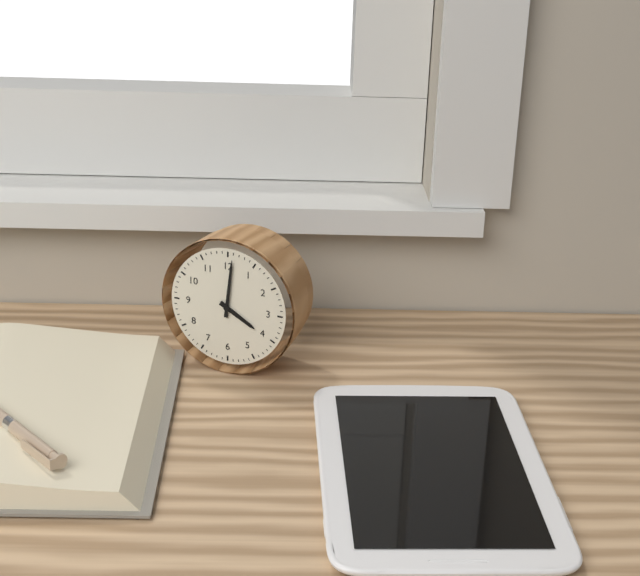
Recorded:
4.01
